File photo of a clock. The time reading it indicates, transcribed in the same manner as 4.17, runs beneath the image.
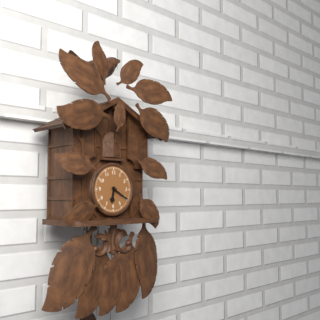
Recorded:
6.20
